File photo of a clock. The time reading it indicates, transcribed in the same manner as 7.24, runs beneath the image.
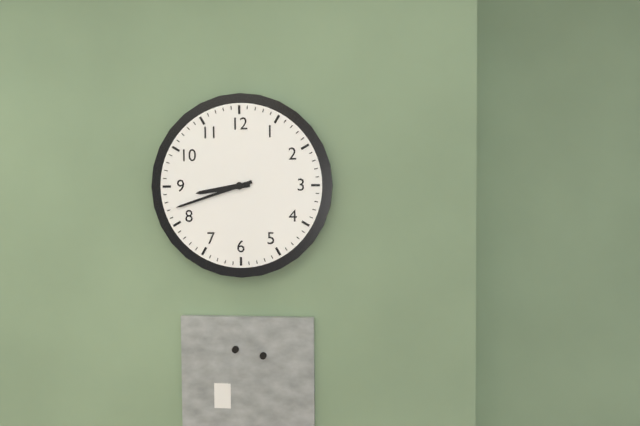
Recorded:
8.42
